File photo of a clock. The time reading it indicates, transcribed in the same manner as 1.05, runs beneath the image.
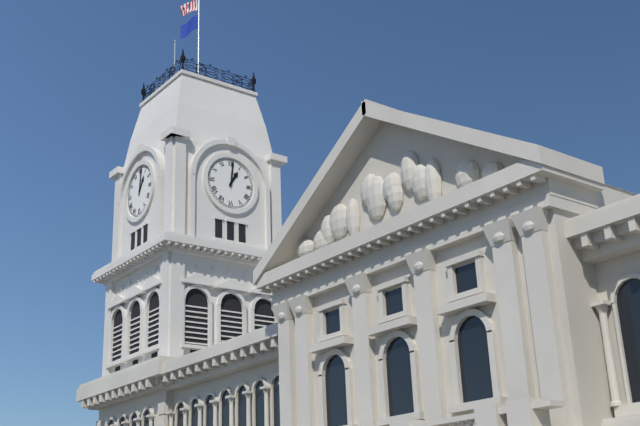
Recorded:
1.01
